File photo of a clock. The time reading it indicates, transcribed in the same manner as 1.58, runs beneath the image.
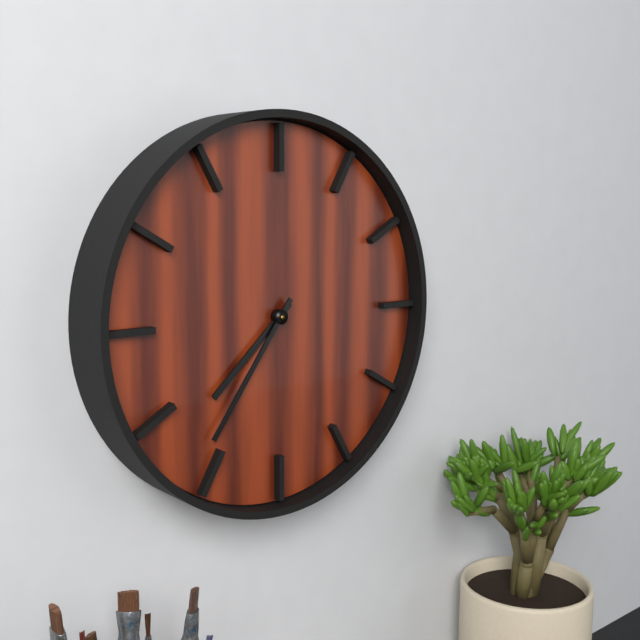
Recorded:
7.36
